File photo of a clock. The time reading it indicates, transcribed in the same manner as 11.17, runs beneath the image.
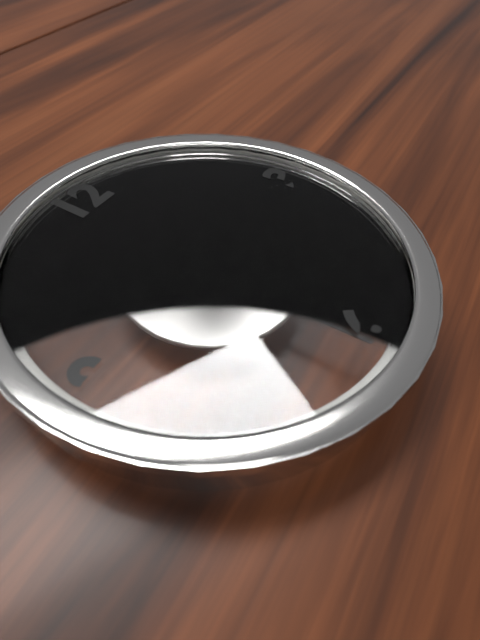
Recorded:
4.30
